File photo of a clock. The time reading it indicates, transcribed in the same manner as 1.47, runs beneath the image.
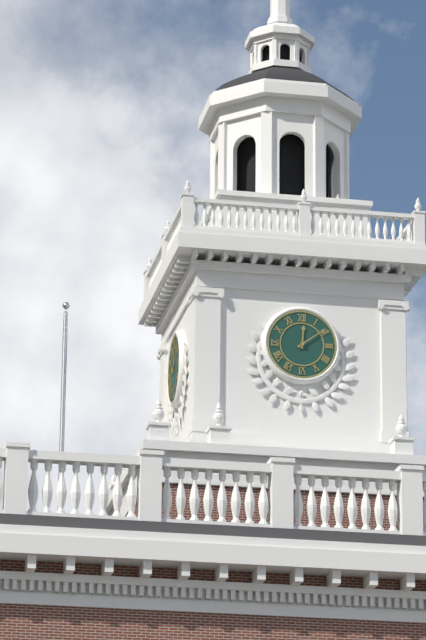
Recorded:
12.09
